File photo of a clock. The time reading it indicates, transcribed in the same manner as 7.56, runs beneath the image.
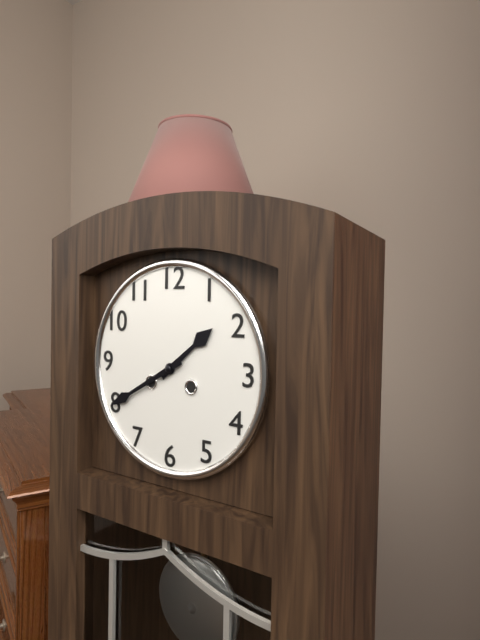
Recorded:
1.40
